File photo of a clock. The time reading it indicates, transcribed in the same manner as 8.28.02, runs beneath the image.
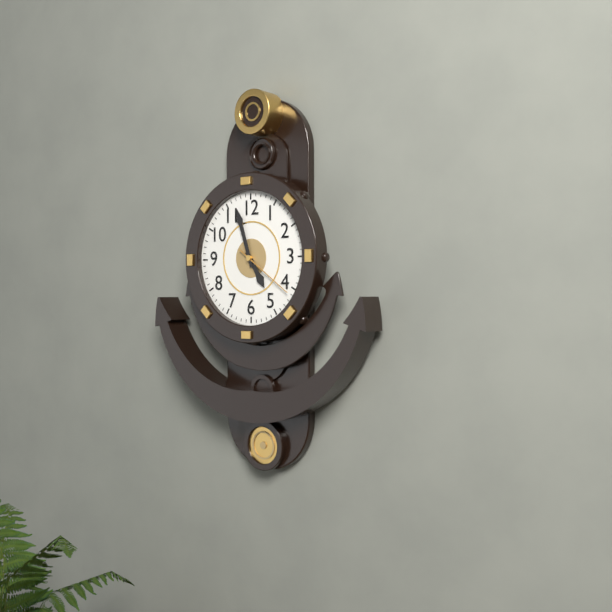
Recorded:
4.57.21
